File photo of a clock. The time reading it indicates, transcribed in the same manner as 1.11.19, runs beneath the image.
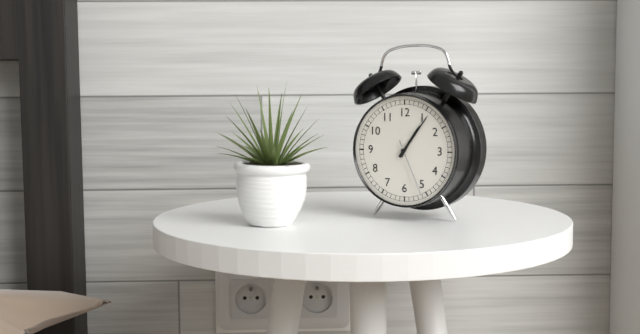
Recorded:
1.06.26
